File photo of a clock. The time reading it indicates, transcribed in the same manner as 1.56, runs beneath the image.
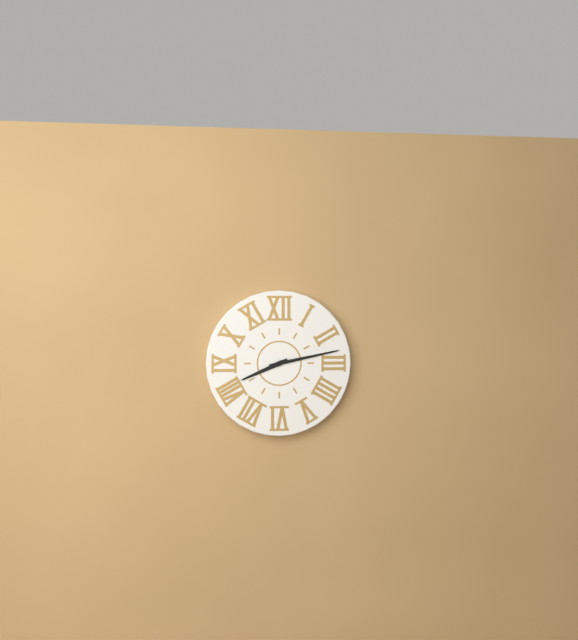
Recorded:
8.13
